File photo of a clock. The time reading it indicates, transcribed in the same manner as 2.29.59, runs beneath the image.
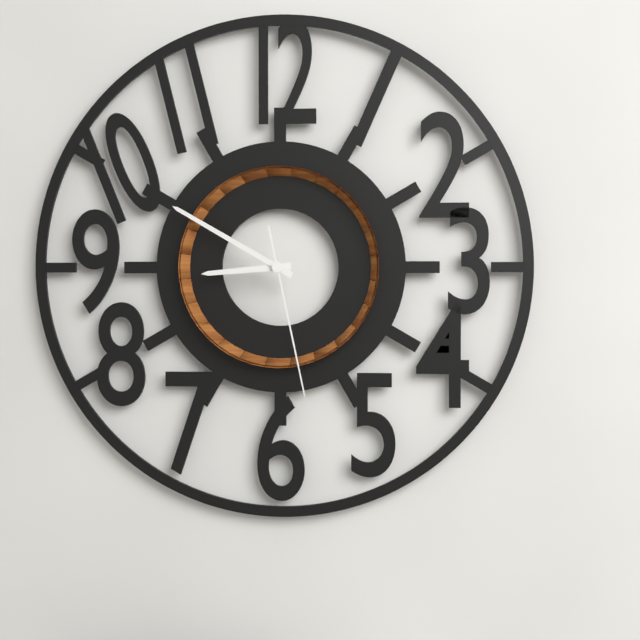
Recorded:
8.50.28
